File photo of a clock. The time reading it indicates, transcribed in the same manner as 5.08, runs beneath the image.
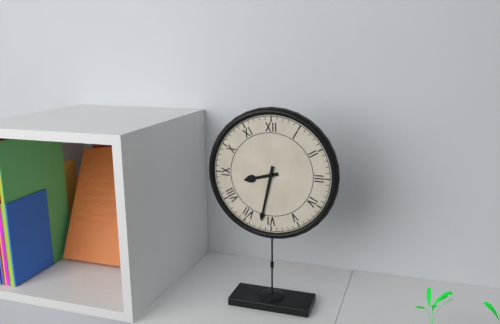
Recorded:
8.32
